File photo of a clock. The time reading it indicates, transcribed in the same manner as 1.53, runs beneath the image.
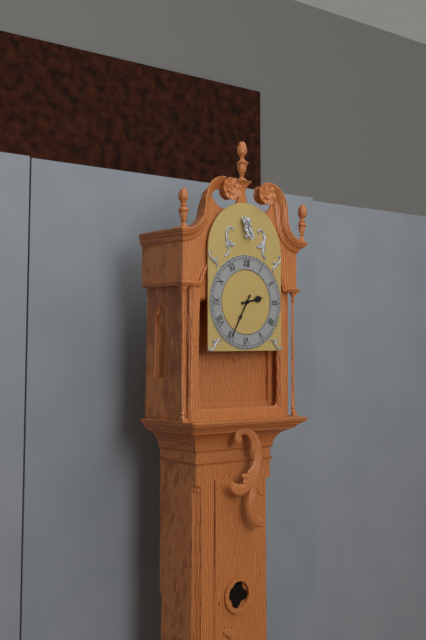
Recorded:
2.35
